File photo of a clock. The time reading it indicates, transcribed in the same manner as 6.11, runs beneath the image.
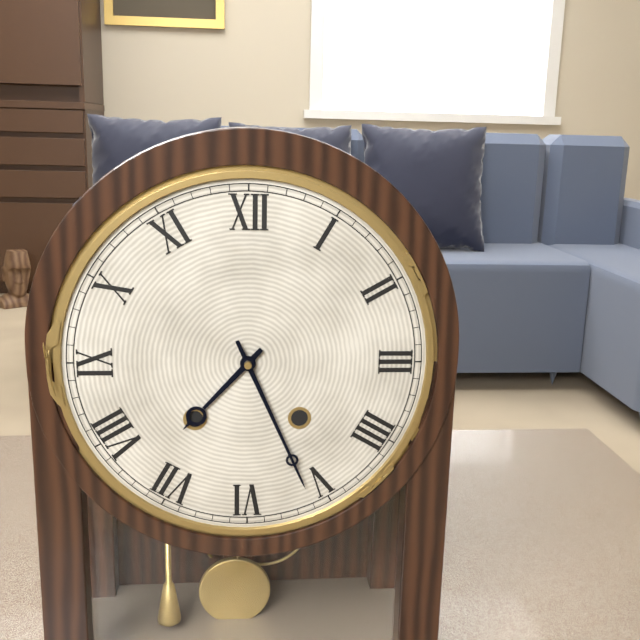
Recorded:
7.26
